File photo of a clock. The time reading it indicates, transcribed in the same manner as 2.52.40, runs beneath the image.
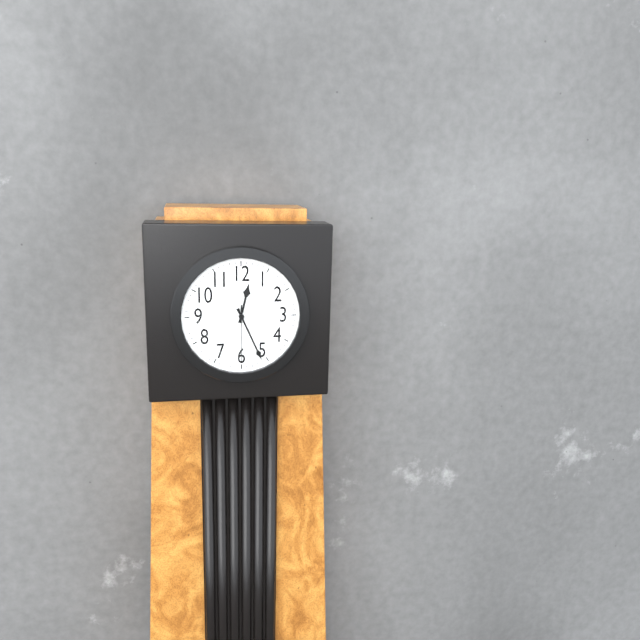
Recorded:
12.26.30
